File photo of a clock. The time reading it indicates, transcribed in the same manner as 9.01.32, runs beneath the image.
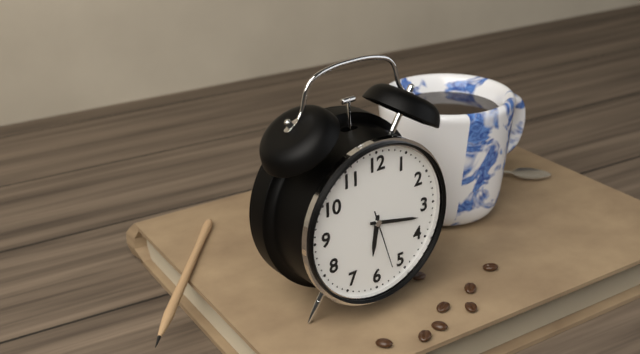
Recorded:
6.17.27
